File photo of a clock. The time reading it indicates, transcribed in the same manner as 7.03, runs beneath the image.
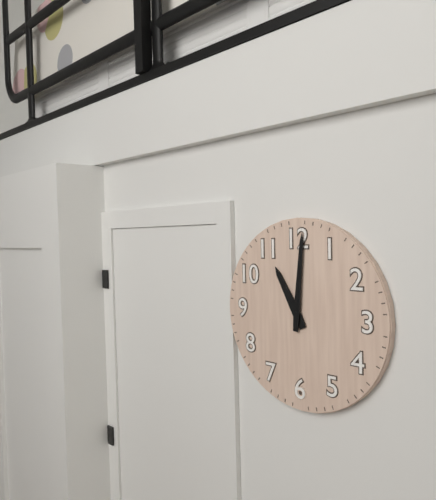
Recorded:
11.01
